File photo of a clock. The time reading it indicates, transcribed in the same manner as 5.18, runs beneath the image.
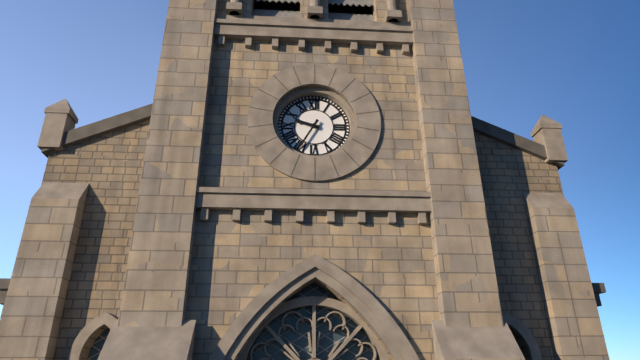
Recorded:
9.35
